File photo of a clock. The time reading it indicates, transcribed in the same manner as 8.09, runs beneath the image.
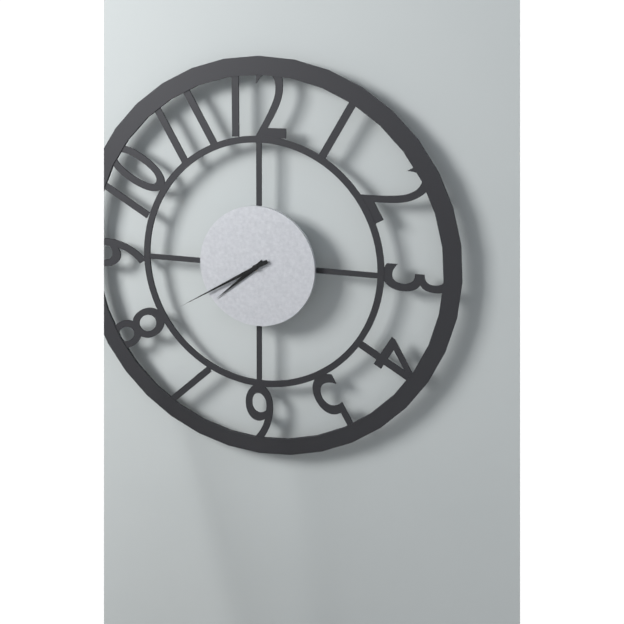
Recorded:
7.40
